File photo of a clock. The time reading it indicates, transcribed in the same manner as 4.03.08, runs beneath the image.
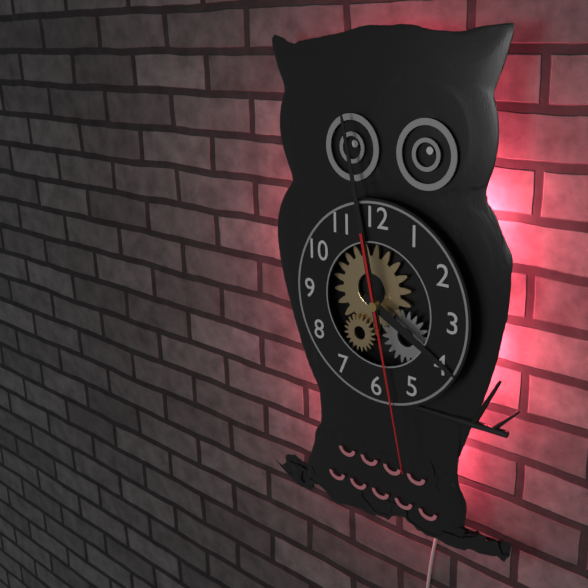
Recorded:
3.58.28
